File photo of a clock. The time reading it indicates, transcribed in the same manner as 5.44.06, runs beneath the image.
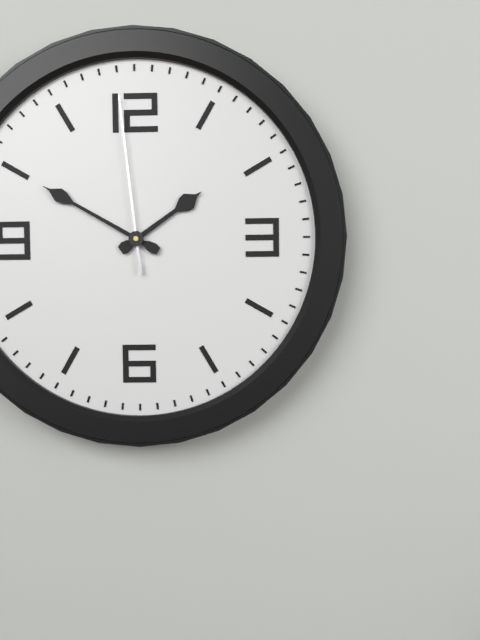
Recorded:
1.50.59
